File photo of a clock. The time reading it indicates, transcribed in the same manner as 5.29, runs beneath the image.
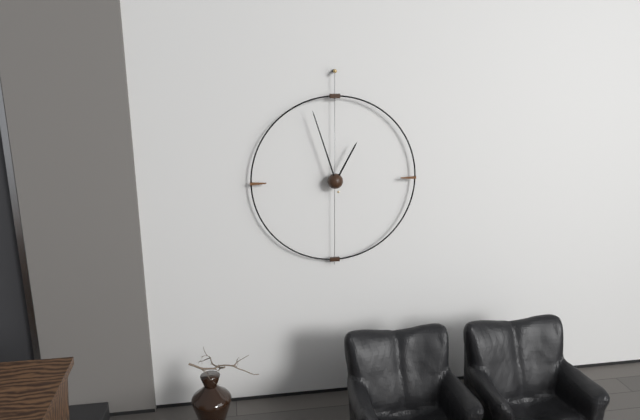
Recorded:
12.57
